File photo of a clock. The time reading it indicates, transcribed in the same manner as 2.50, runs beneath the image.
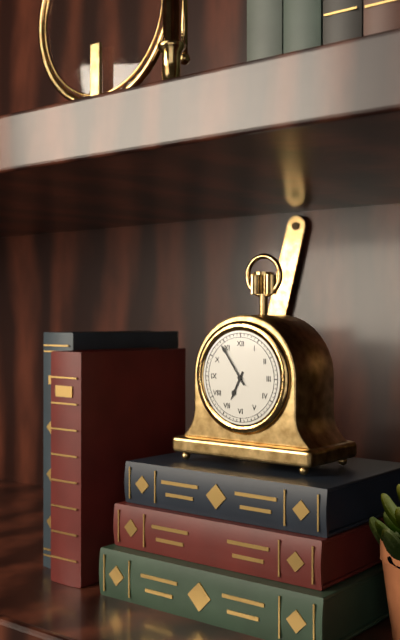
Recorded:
6.54
